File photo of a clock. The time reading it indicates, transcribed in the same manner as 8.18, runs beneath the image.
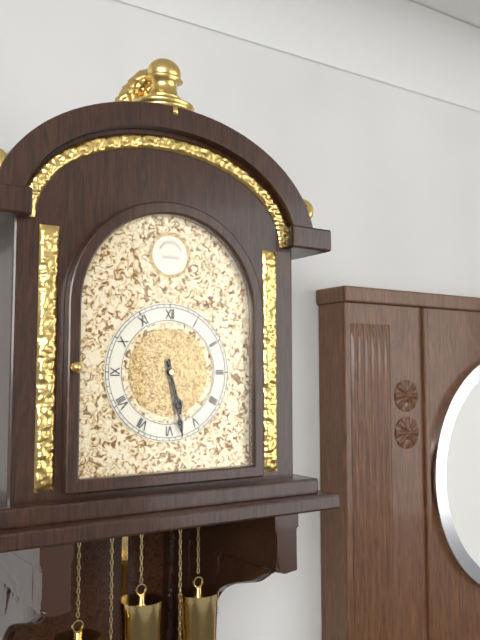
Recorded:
5.28
